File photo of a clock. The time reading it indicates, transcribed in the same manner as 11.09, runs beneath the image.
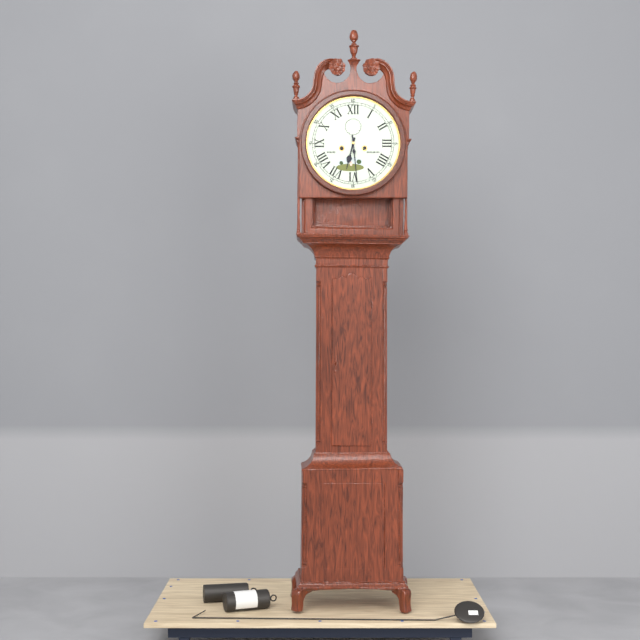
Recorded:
6.29
